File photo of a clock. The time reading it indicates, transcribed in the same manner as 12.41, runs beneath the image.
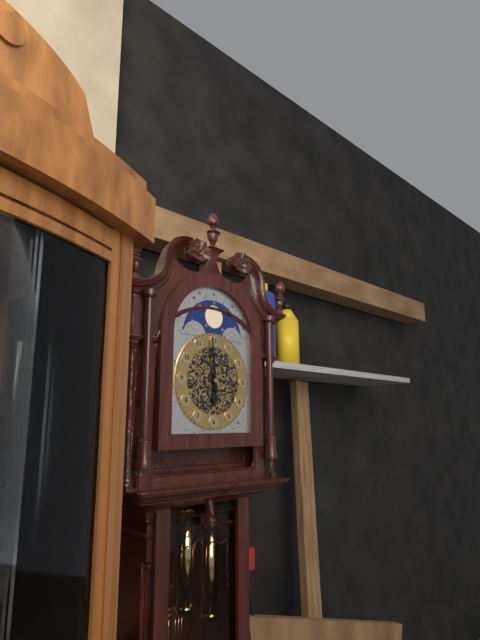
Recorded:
5.59
